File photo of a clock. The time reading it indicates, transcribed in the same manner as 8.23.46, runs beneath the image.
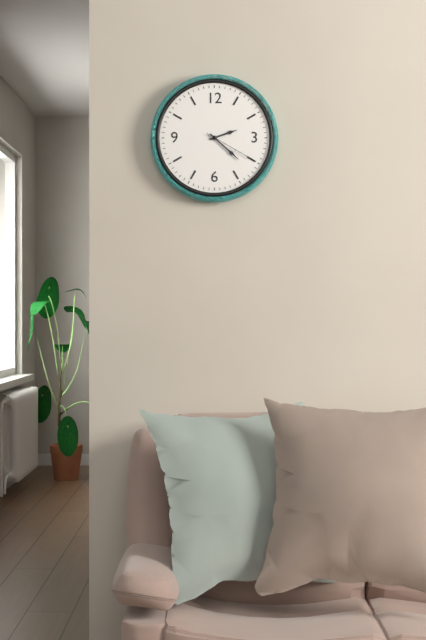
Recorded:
2.22.20
